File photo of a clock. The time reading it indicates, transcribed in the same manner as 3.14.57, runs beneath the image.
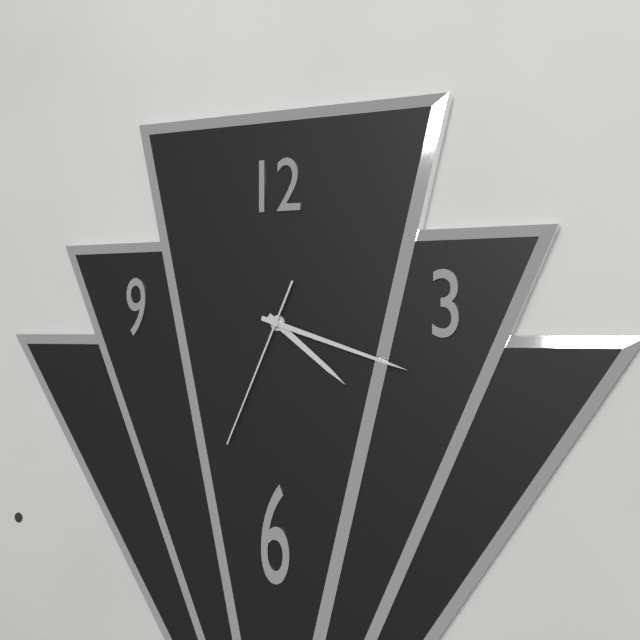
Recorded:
4.18.34
